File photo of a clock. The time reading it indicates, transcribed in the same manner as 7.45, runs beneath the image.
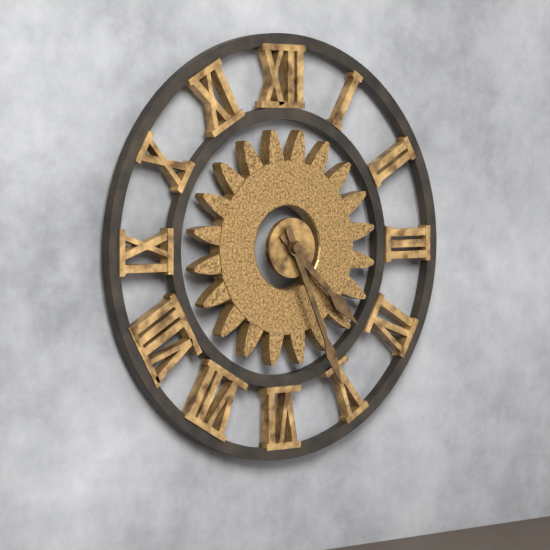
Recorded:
4.26
